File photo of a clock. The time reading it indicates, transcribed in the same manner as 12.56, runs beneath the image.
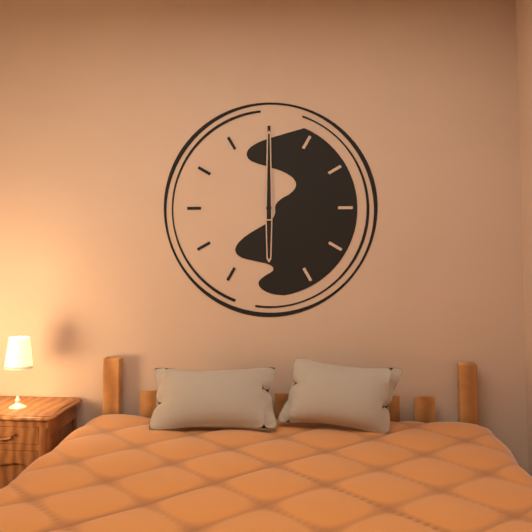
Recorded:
6.00
